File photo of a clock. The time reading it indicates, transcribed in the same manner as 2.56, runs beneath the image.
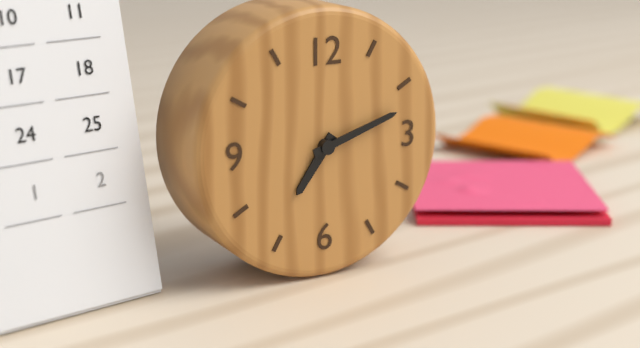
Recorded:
7.12
